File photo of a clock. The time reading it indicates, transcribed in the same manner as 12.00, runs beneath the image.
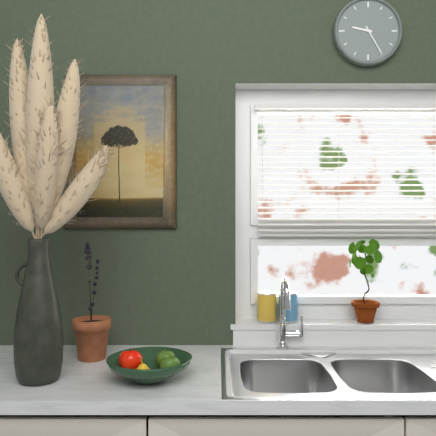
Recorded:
9.25
